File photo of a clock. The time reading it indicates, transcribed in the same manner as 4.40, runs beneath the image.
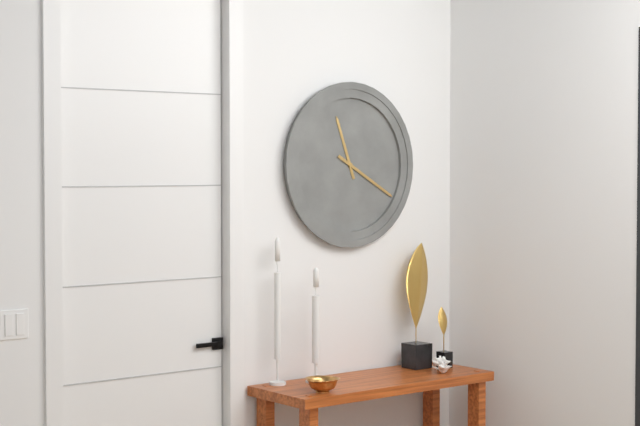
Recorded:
11.20
